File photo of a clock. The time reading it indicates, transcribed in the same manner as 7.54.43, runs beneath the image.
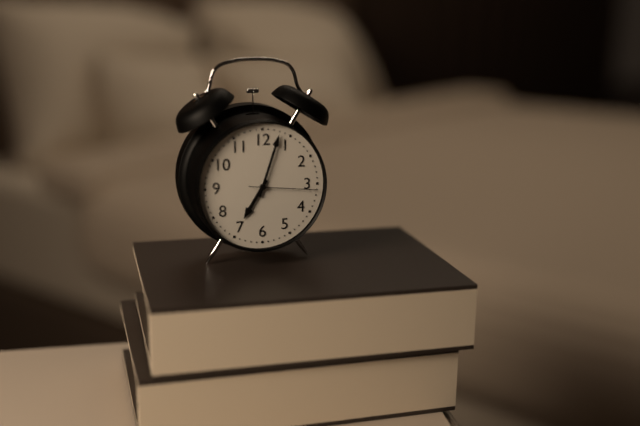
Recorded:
7.03.16
